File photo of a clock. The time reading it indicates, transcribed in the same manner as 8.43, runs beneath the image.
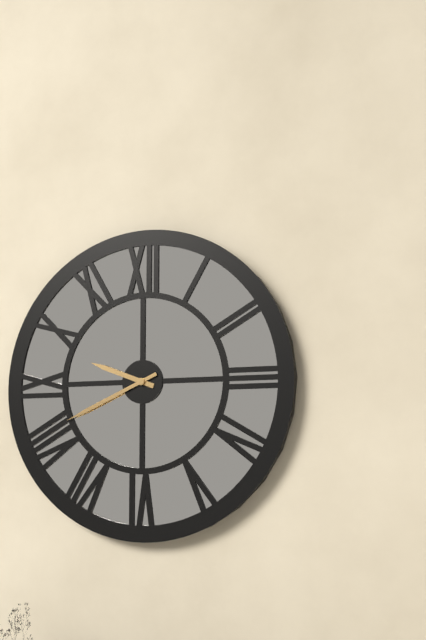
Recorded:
9.41
